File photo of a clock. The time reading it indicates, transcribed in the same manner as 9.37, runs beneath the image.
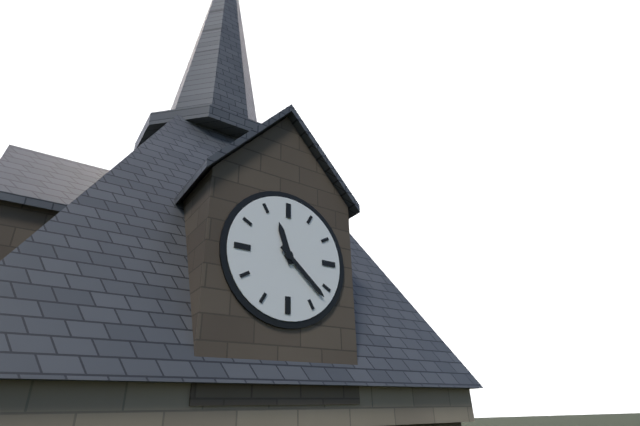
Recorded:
11.22
